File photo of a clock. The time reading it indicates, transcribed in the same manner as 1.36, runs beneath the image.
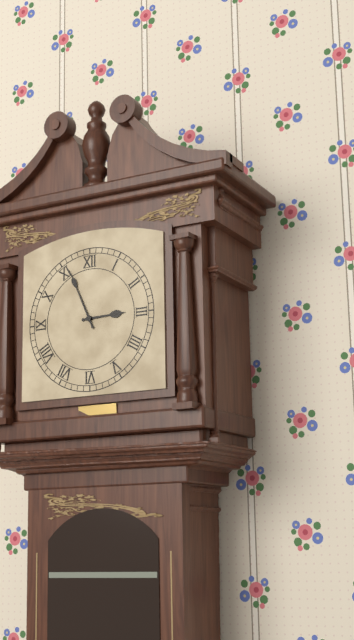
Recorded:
2.56
